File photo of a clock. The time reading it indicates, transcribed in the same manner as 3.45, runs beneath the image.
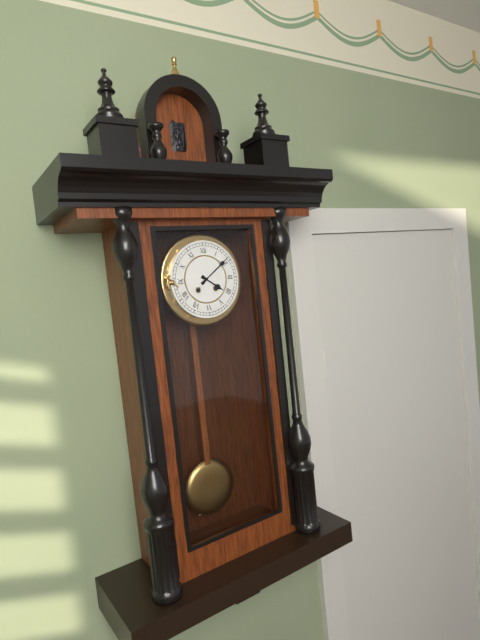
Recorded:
4.09
